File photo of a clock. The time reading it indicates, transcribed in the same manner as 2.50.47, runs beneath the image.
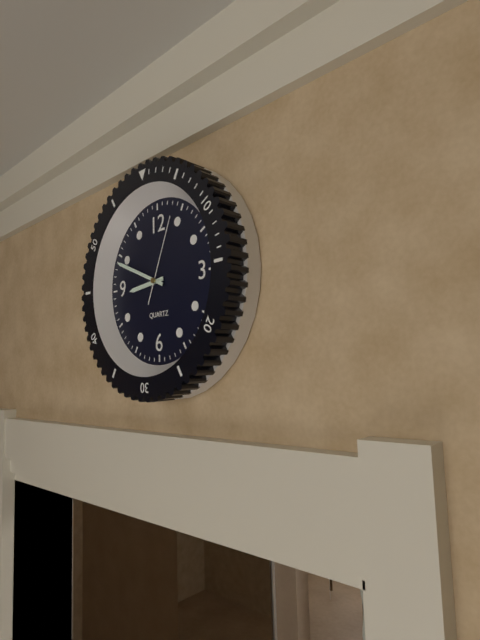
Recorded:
8.49.04
